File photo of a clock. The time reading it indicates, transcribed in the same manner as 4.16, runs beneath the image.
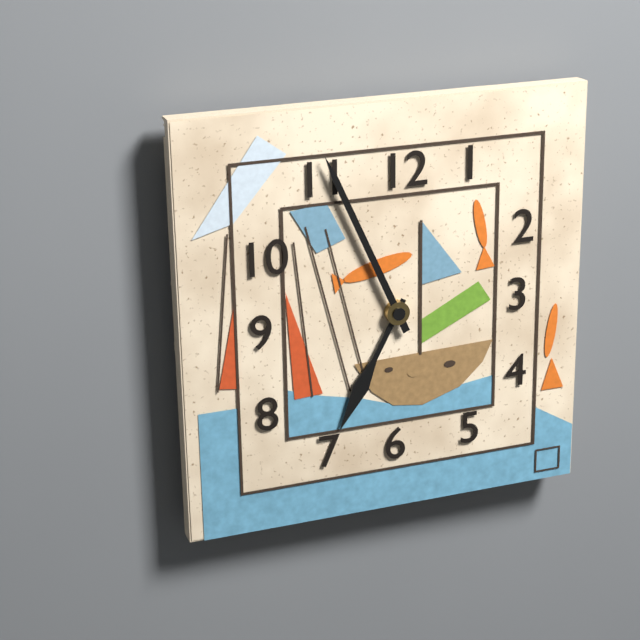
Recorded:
6.56
